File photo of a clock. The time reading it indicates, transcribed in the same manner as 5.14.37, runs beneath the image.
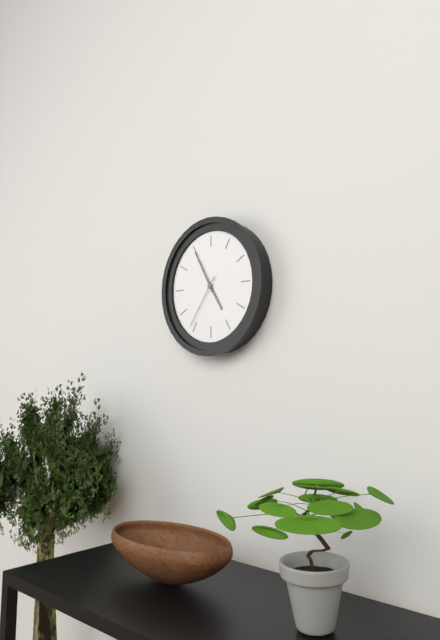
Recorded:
4.55.36
